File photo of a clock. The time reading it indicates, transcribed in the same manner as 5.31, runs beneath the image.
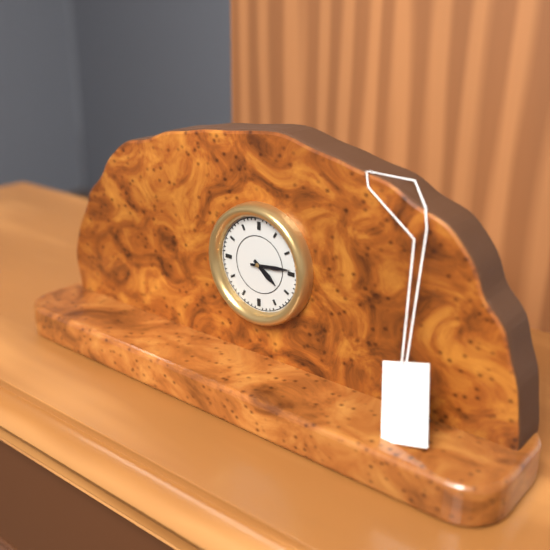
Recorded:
4.14
